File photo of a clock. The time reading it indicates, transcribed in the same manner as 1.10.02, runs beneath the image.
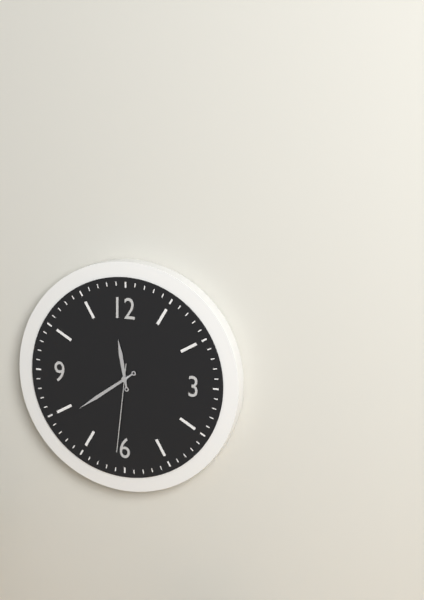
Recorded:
11.39.31
